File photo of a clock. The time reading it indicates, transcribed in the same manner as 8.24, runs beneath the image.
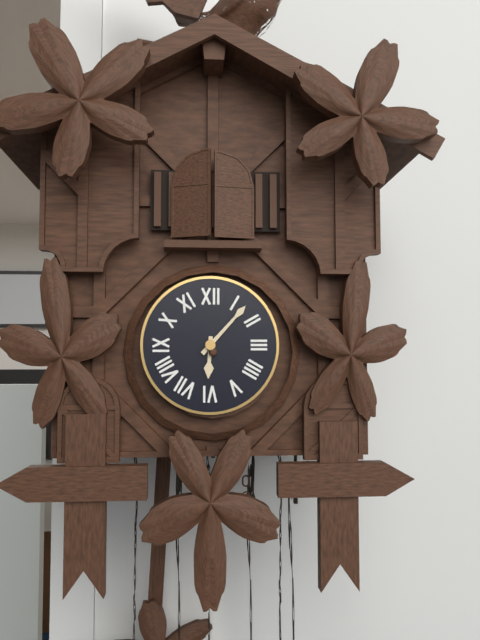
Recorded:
6.07
